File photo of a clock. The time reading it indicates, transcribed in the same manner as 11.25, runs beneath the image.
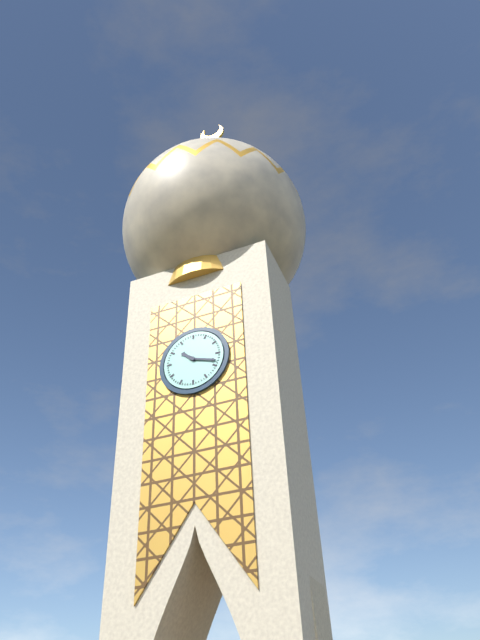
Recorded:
10.18
